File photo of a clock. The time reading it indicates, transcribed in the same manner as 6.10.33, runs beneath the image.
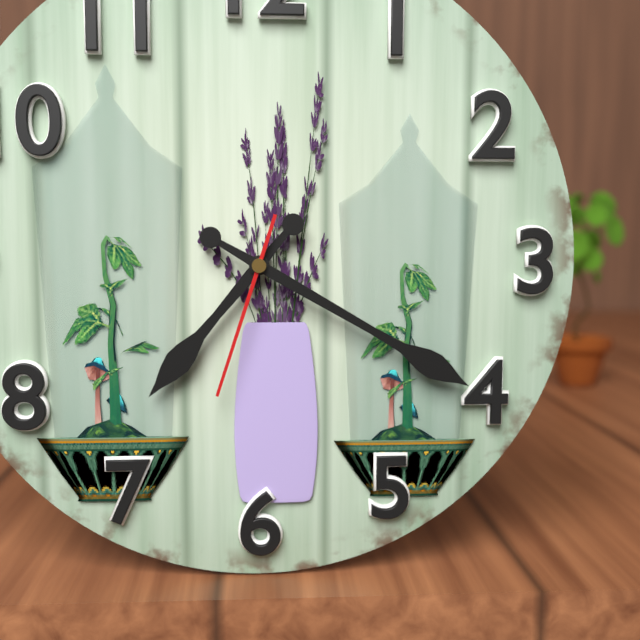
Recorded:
7.20.33
